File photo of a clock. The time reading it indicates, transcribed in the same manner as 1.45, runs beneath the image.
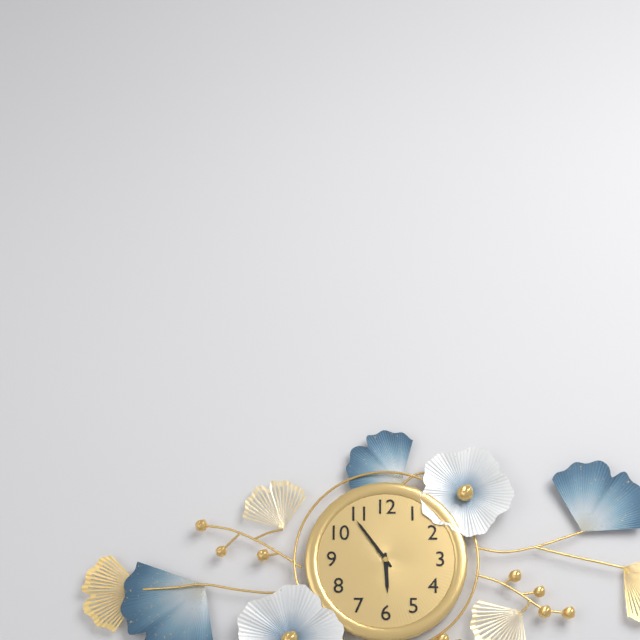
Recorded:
5.54
